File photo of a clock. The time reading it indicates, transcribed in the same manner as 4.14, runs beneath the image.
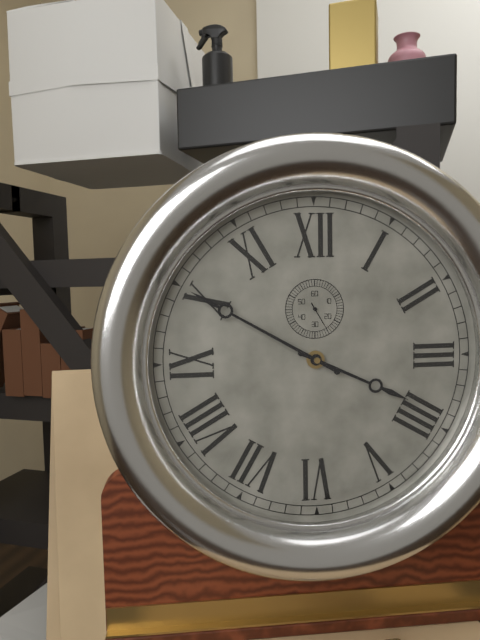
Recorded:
3.50
